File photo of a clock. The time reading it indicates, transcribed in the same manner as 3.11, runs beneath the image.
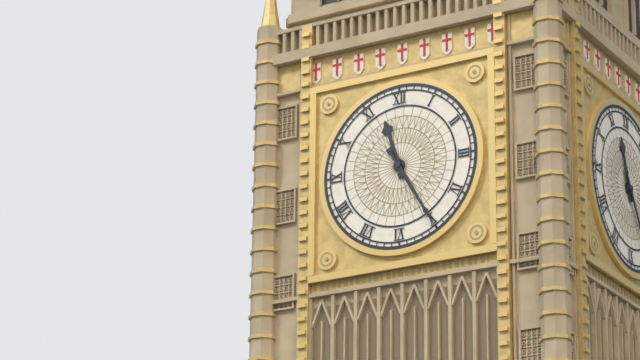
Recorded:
11.25
